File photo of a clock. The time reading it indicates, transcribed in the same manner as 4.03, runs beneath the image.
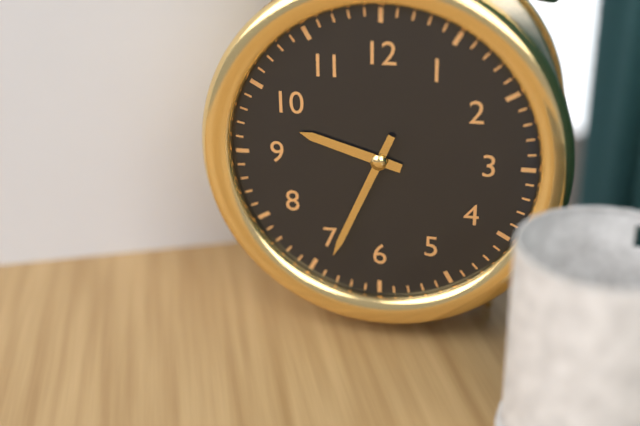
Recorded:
9.34
